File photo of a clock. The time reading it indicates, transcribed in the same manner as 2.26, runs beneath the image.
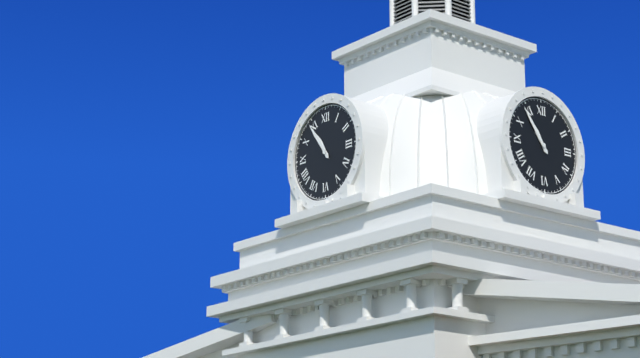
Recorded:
10.54
